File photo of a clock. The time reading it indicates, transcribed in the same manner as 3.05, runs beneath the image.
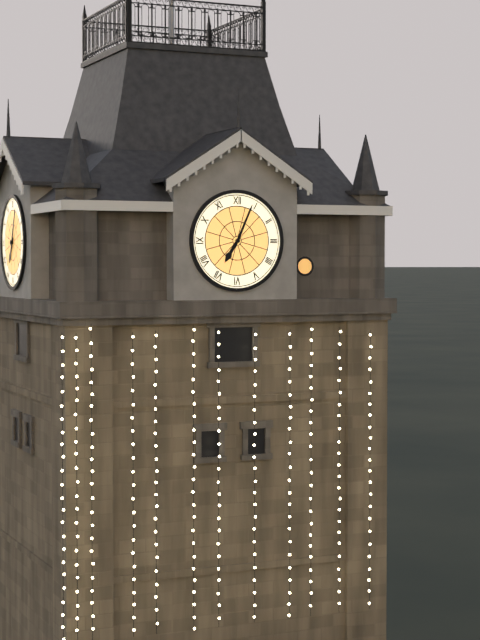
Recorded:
7.04
